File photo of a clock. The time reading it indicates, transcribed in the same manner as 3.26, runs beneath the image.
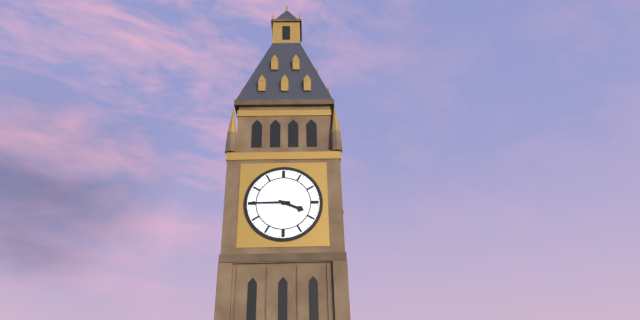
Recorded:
3.45
